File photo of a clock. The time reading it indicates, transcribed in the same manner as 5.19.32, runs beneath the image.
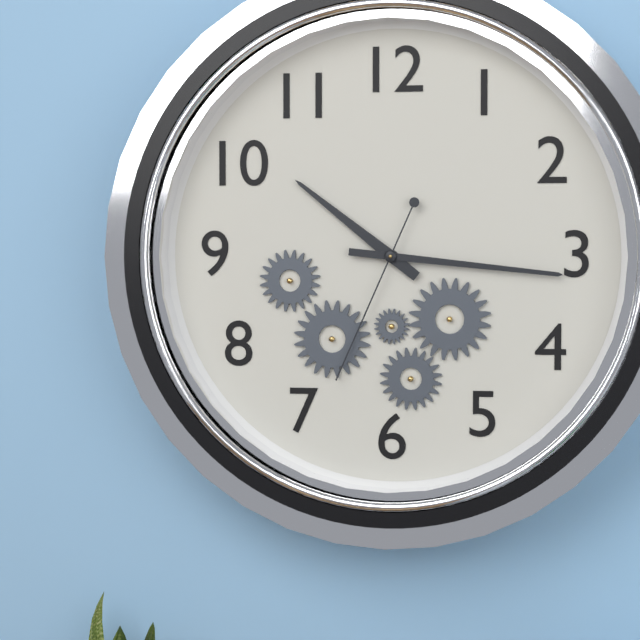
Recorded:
10.16.34
